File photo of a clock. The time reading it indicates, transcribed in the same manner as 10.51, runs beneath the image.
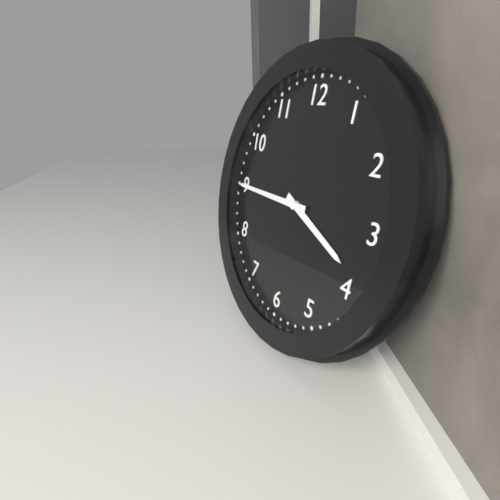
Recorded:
3.45
